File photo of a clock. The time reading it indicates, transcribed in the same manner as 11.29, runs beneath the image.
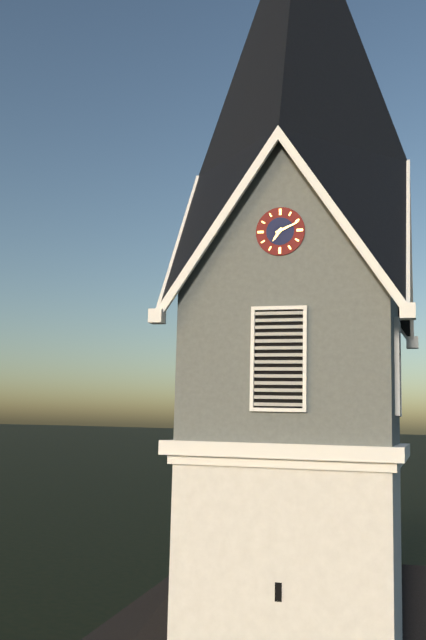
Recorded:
7.11
